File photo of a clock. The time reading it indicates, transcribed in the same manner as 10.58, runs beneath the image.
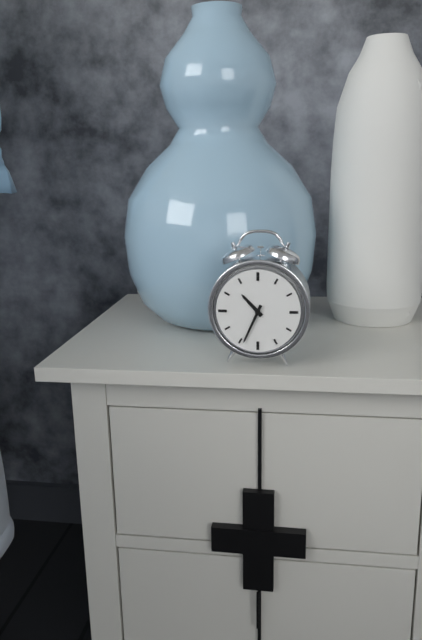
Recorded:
10.34
